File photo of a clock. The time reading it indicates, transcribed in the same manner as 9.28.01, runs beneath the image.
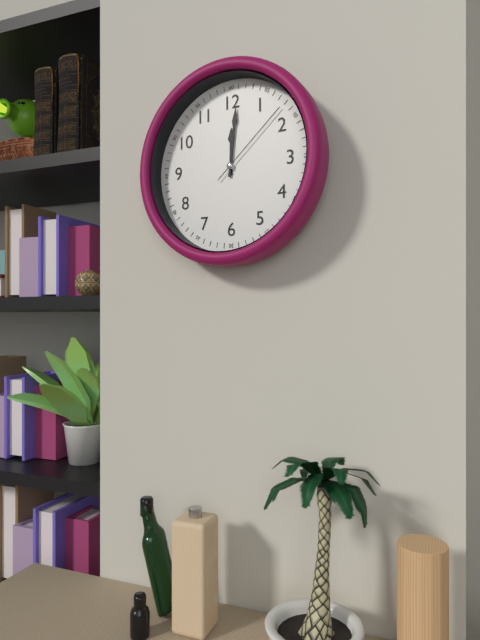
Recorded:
12.01.08
